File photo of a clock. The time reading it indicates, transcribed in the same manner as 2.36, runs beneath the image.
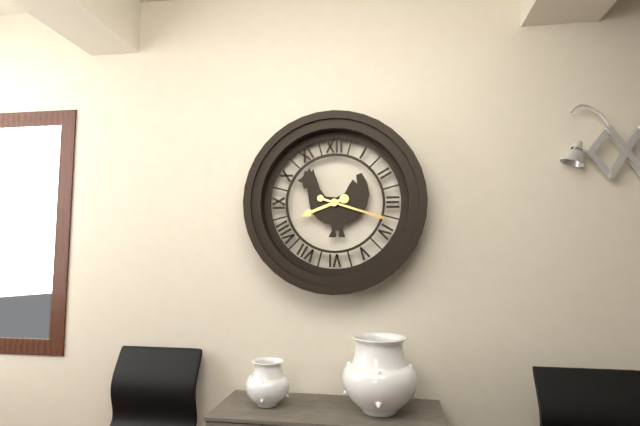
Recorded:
8.18
